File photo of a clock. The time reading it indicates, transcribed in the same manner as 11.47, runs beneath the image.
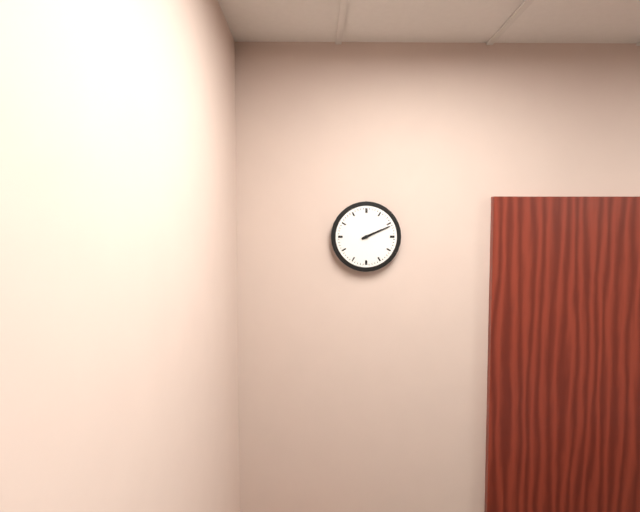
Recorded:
2.11
